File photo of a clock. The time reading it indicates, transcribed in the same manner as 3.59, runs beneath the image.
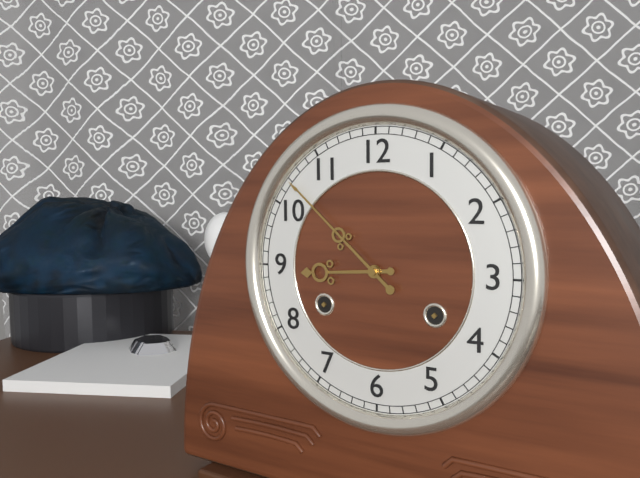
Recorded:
8.52
